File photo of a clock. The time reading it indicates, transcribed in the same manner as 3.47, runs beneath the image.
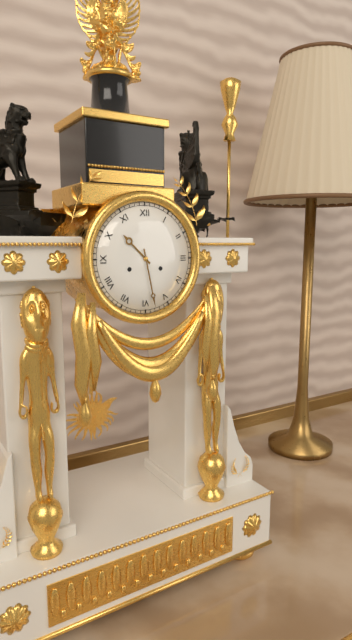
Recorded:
10.28
